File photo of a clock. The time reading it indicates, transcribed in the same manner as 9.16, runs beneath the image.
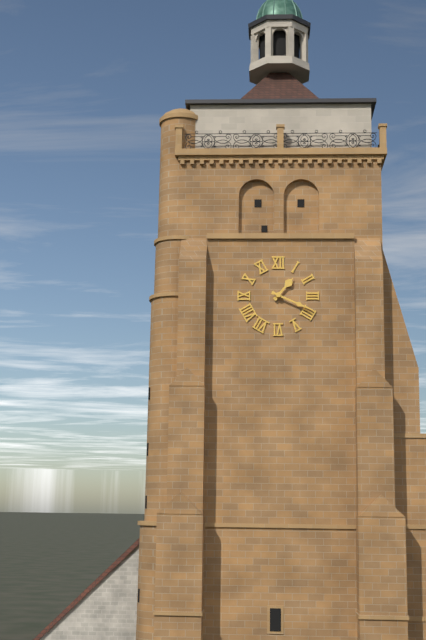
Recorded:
1.19
